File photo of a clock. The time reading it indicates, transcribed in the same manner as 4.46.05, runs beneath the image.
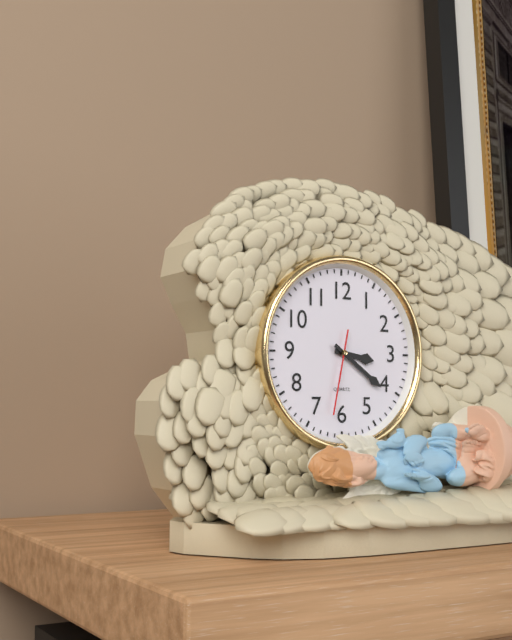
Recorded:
3.21.32
